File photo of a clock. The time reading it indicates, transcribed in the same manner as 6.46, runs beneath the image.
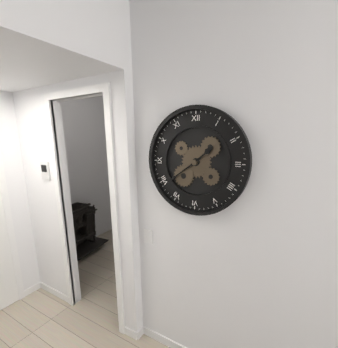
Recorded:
1.39
